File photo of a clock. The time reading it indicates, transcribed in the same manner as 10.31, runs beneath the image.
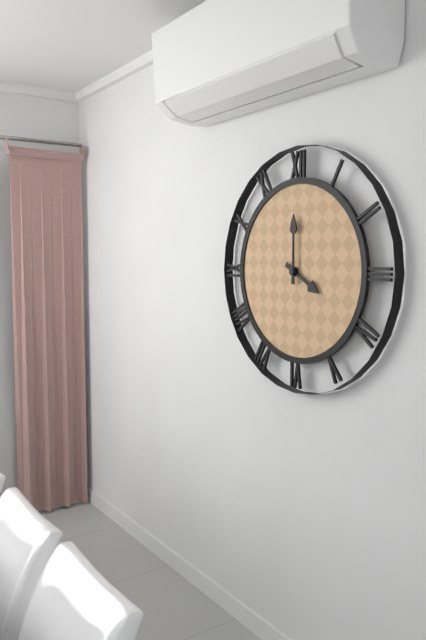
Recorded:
4.00
